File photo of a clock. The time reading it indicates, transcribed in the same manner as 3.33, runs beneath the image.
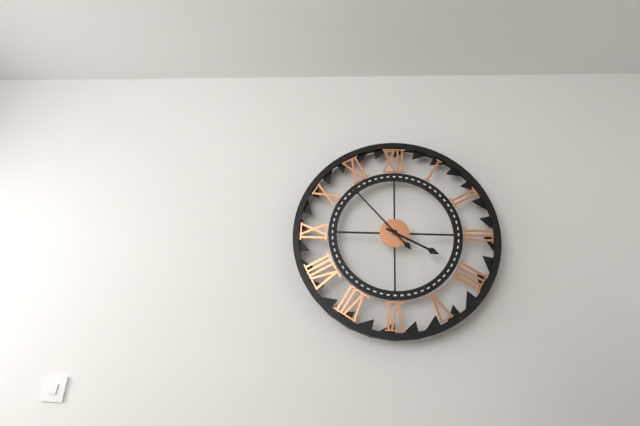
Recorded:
3.53
